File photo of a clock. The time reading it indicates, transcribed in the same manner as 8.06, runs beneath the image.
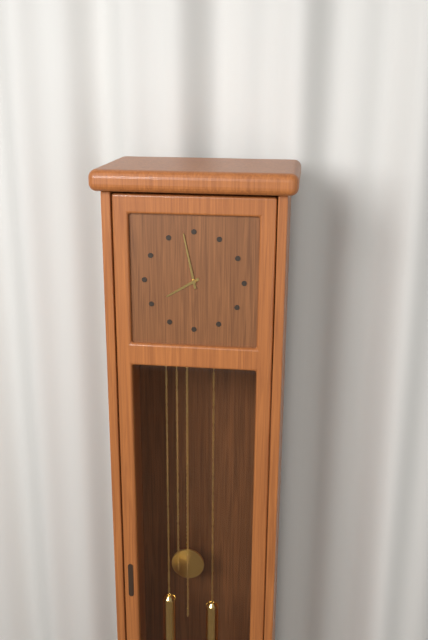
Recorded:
7.58
